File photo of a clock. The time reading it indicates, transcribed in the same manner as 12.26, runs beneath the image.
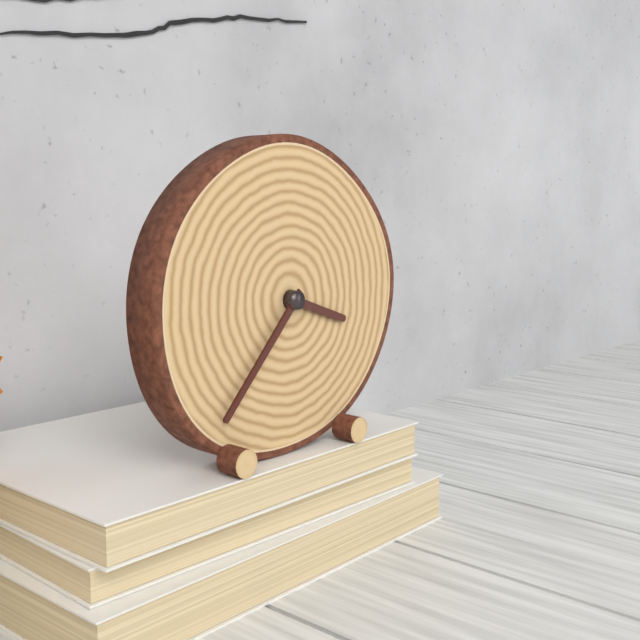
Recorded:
3.37
